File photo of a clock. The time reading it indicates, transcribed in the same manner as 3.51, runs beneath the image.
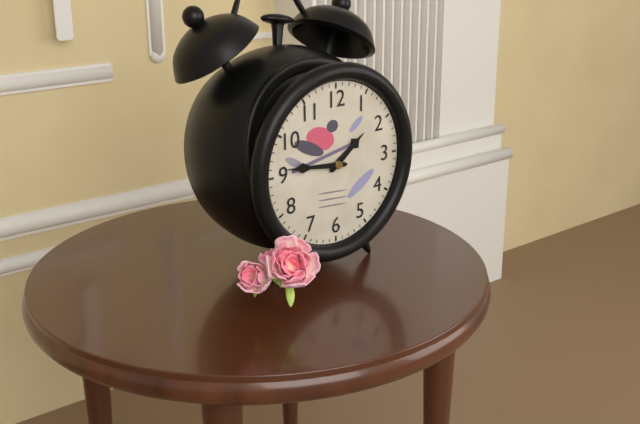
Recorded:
1.46
